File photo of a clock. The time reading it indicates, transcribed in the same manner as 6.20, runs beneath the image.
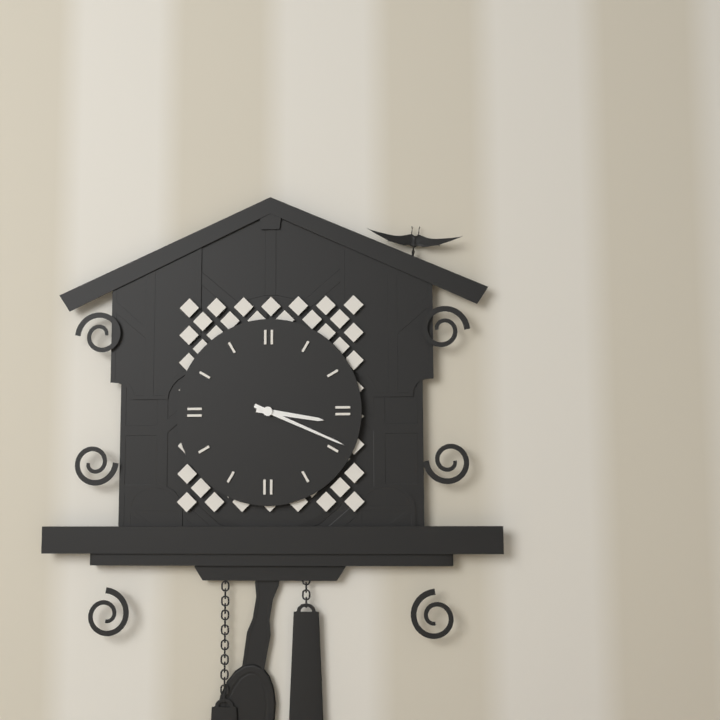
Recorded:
3.19
